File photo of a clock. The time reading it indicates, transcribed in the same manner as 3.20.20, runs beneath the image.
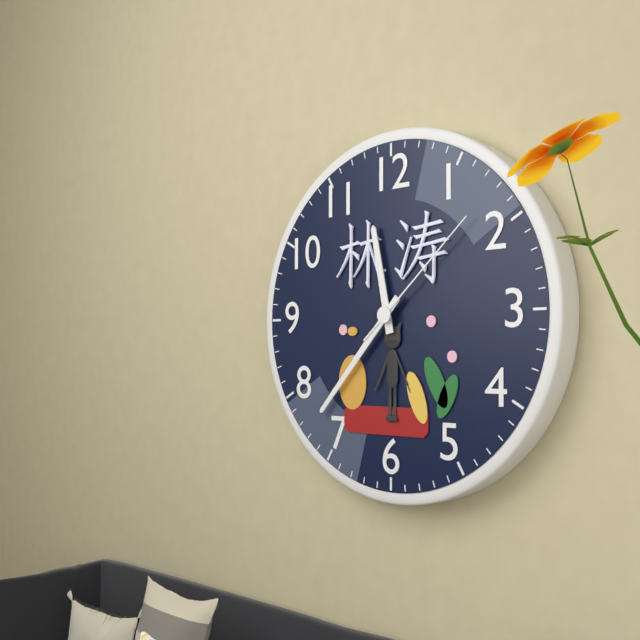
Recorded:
11.37.08
